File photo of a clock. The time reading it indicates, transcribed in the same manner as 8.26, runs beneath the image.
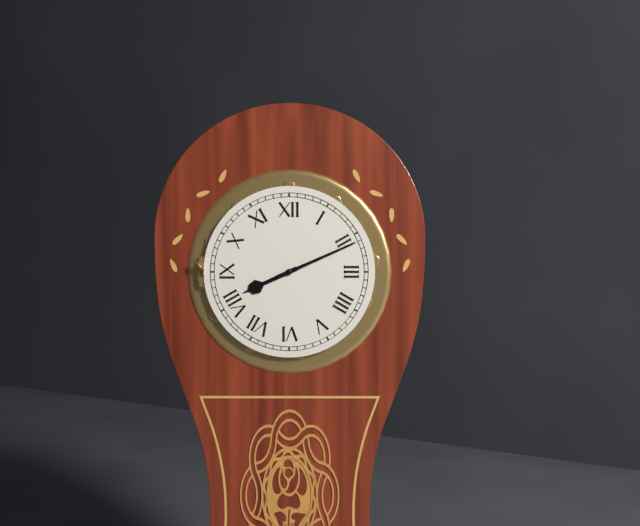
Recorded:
8.11
